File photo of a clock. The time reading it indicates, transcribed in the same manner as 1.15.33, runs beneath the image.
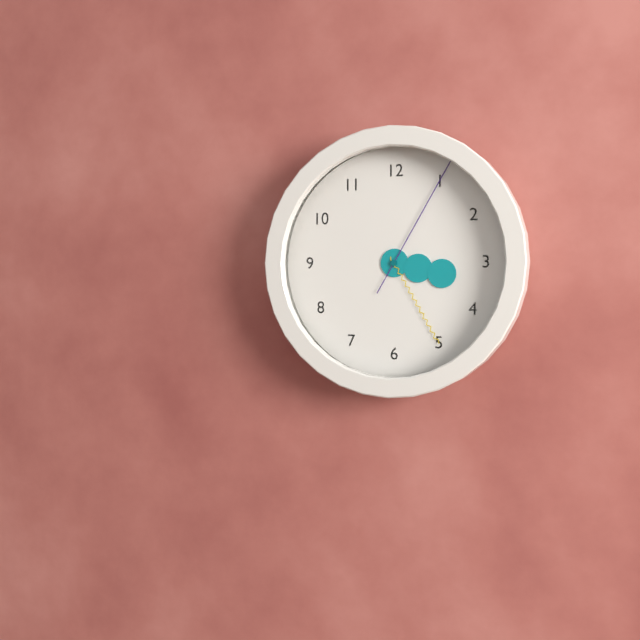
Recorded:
3.25.05
